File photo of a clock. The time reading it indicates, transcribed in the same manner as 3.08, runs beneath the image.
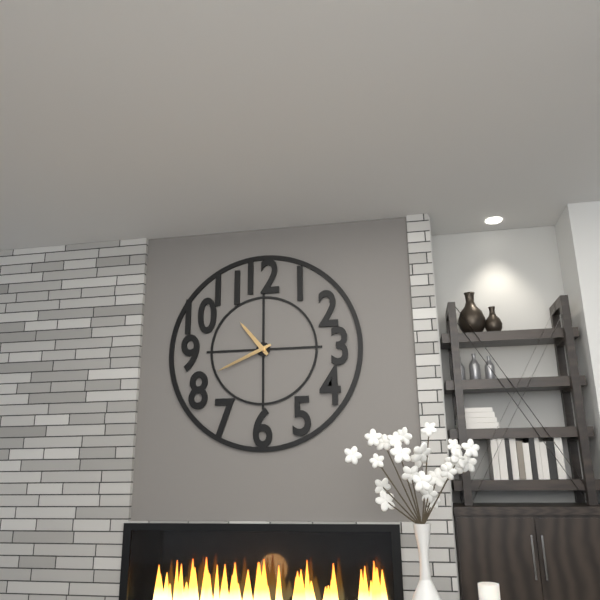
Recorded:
10.41
